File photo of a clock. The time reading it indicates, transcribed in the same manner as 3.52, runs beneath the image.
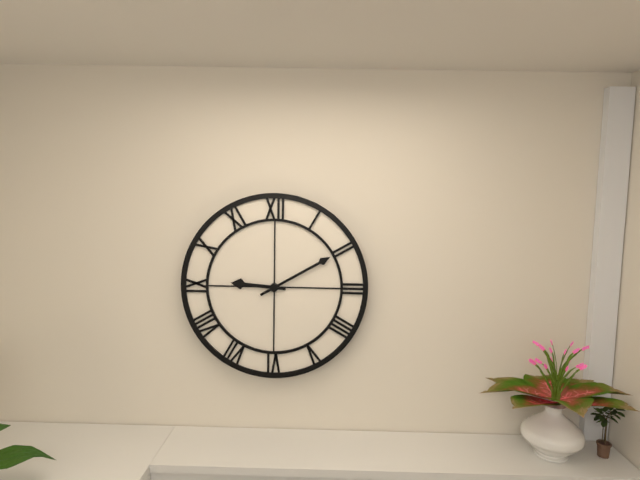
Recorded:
9.10
